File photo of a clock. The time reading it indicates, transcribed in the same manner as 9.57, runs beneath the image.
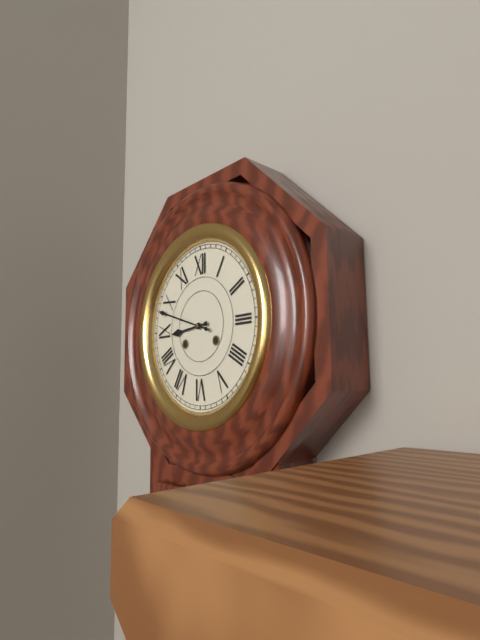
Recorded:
8.48
